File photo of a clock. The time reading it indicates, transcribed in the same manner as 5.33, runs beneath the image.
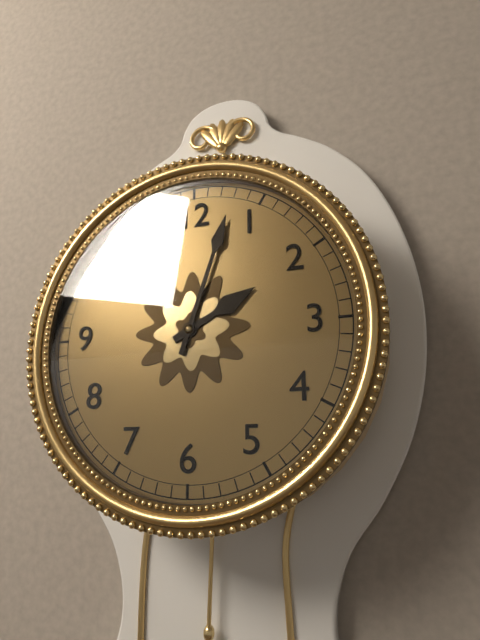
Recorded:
2.03
